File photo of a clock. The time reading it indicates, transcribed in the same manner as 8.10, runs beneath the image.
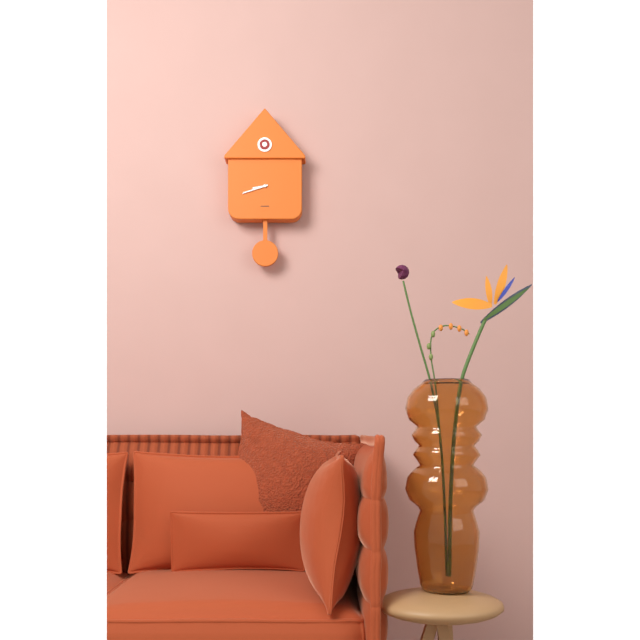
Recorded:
8.42
